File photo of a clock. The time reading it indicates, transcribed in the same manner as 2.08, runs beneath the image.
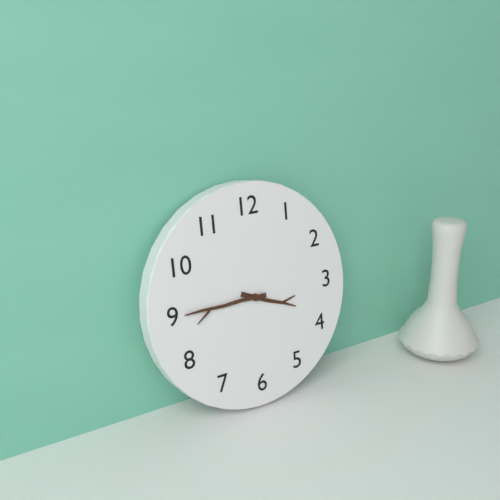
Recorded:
3.45
